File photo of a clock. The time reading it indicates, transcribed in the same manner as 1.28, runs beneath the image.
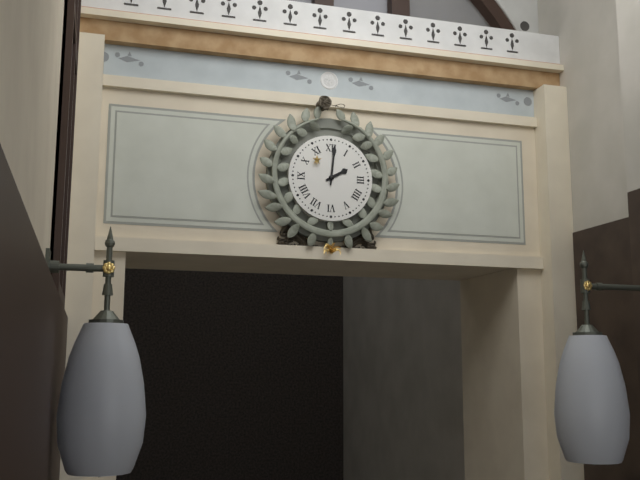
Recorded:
2.01
